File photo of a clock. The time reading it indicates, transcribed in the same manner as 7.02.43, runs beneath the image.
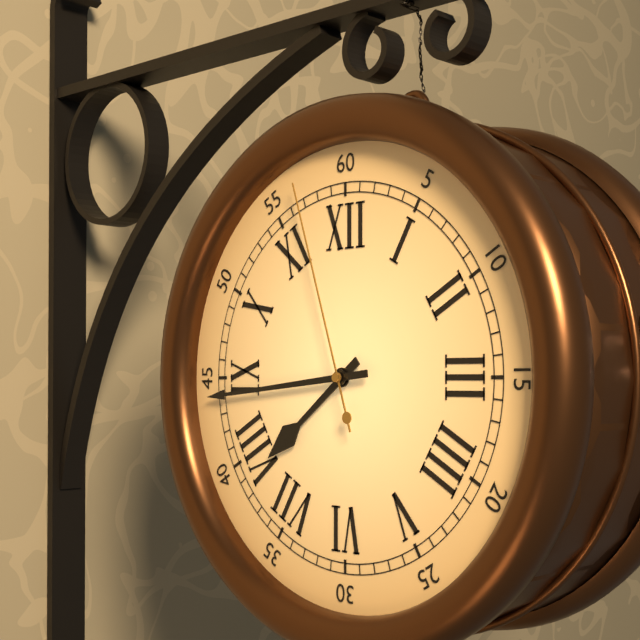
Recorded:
7.44.57
